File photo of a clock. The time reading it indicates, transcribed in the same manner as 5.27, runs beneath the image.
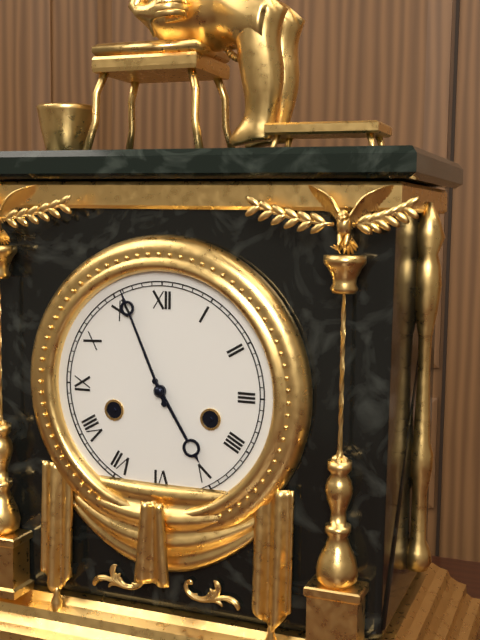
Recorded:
4.56
